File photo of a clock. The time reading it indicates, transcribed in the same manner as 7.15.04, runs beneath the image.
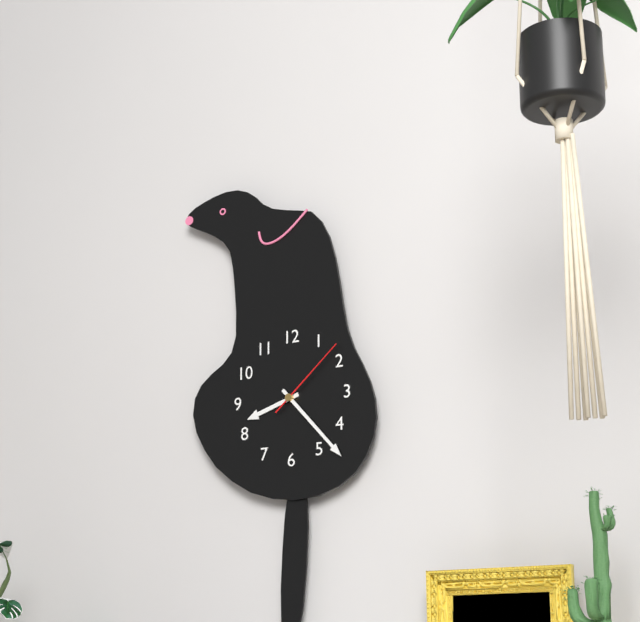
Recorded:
8.23.08
